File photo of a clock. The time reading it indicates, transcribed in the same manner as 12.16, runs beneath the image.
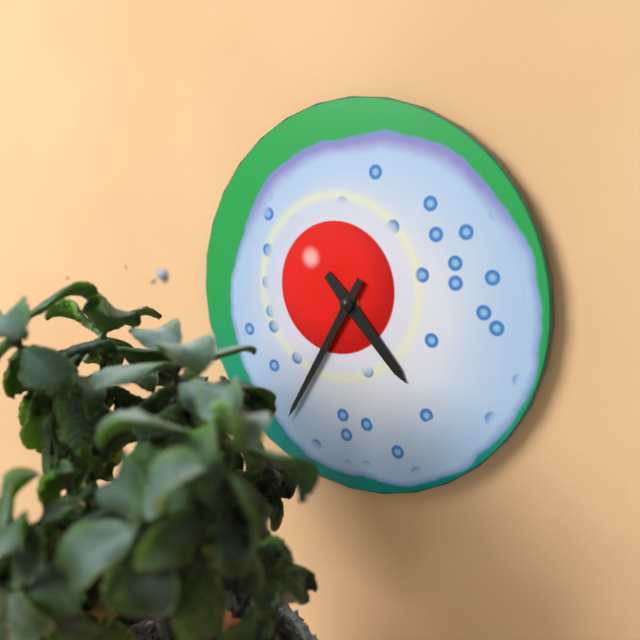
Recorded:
4.35
